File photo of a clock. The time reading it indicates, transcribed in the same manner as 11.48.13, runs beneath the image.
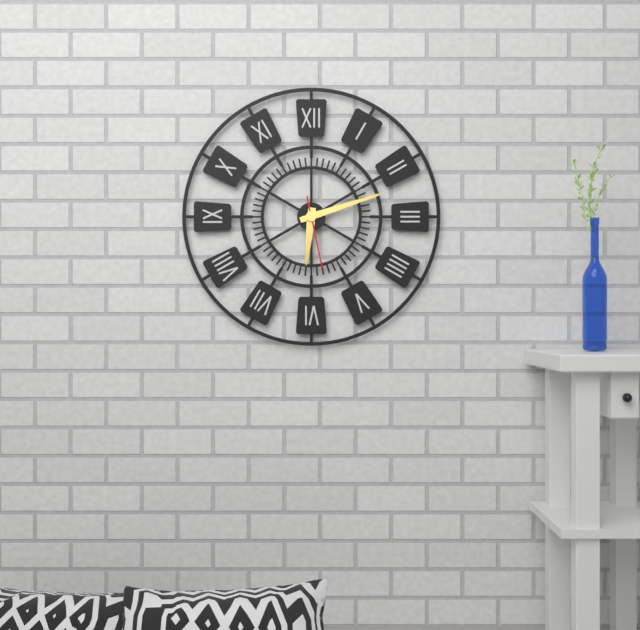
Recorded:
6.12.28
